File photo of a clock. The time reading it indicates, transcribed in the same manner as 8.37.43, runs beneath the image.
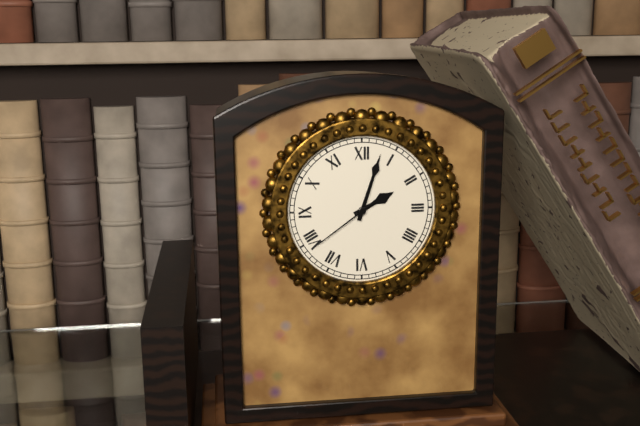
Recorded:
2.03.39
